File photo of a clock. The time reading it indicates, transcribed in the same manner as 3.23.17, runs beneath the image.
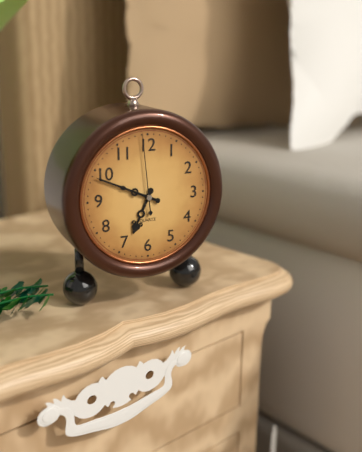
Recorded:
6.49.59
